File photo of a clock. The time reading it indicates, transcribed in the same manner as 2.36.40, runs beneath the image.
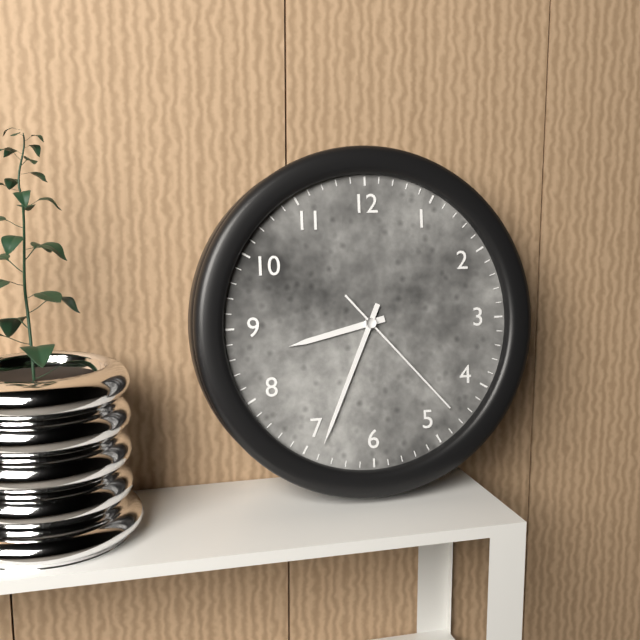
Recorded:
8.34.23
